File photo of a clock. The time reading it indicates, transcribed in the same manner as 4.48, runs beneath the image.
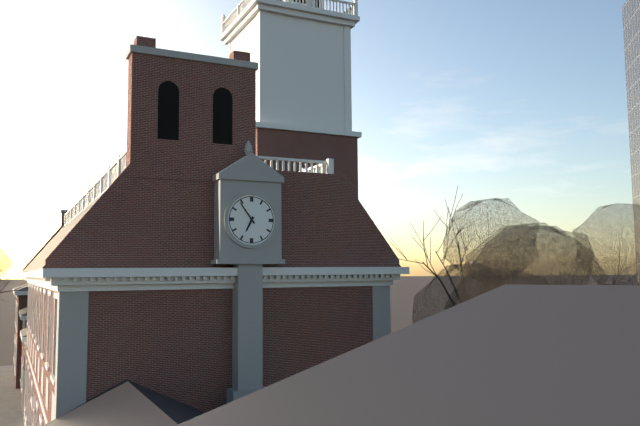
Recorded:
6.54
